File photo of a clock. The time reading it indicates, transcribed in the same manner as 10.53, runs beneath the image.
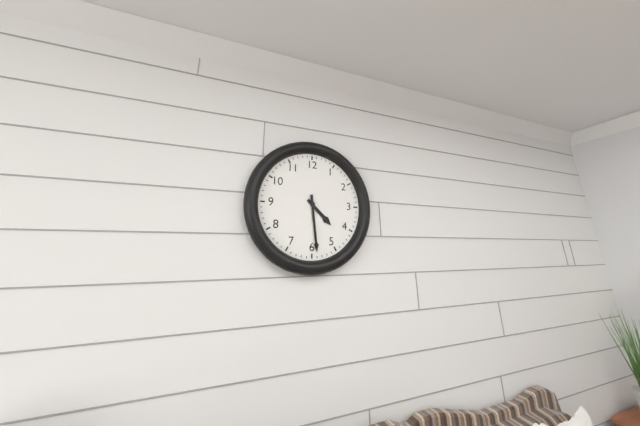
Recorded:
4.29
